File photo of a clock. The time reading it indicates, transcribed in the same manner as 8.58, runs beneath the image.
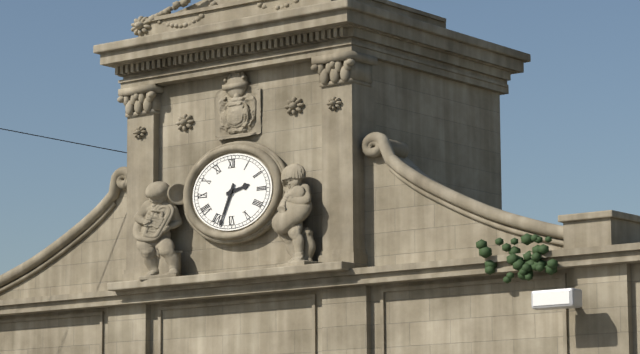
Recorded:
2.34
